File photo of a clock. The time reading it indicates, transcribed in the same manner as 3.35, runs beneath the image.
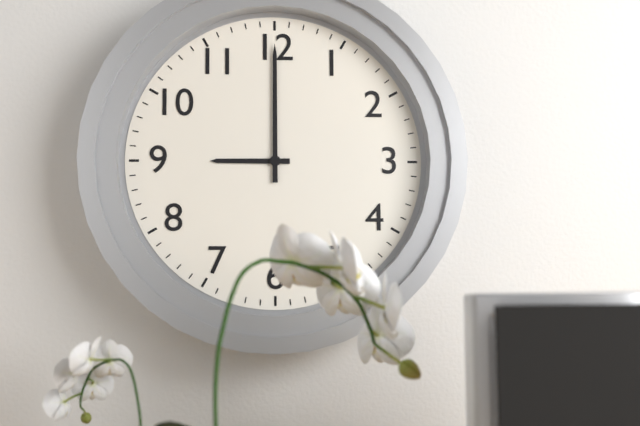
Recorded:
9.00
